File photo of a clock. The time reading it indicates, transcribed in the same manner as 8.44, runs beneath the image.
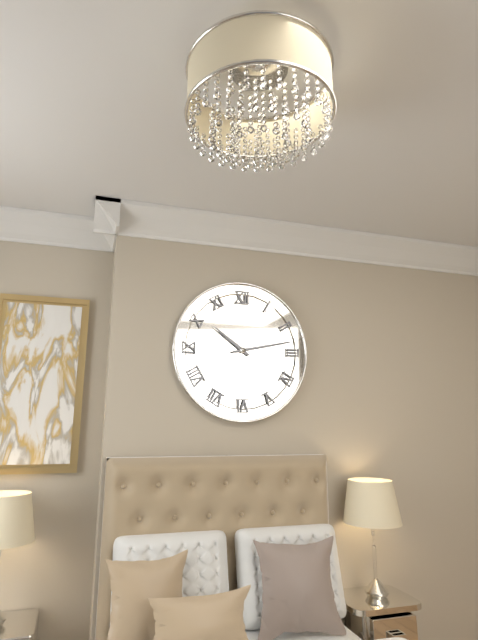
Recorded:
10.13
